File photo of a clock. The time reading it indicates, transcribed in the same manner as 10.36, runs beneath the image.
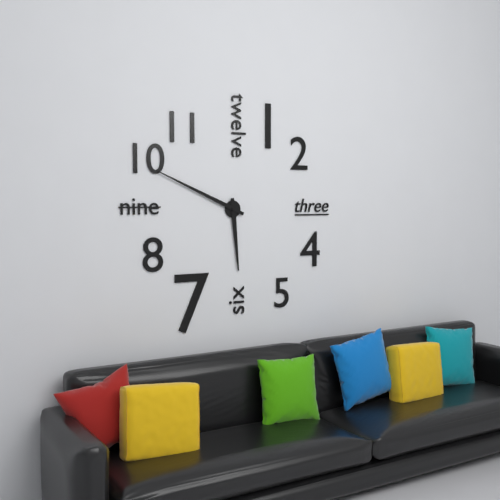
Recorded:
5.49
